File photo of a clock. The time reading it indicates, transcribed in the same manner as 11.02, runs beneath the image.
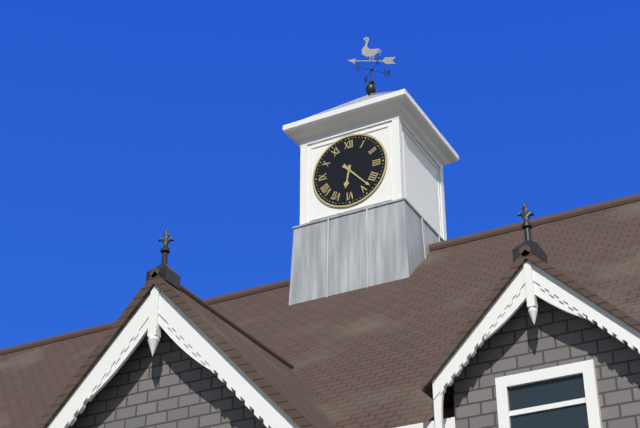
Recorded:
6.23
